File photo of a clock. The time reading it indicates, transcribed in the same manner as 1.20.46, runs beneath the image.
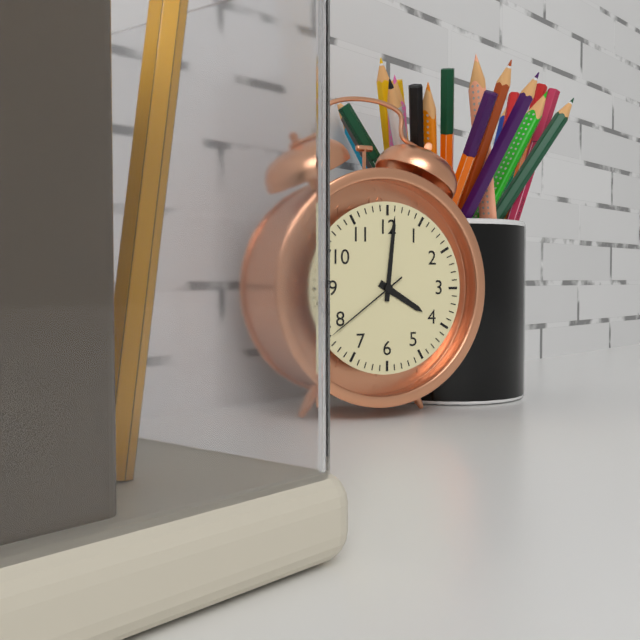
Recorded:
4.01.39
